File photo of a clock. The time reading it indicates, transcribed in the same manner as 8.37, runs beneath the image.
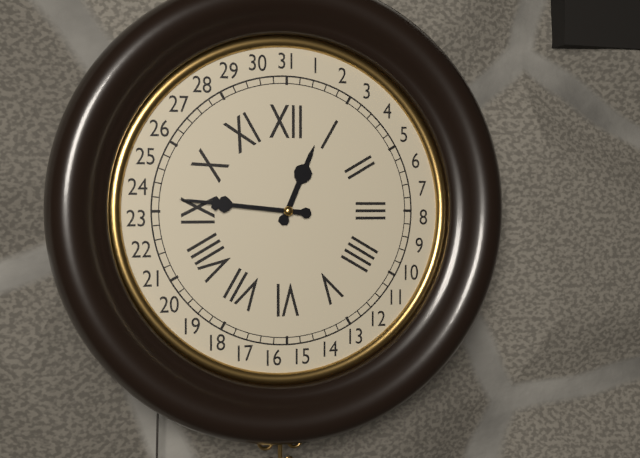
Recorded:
12.46
